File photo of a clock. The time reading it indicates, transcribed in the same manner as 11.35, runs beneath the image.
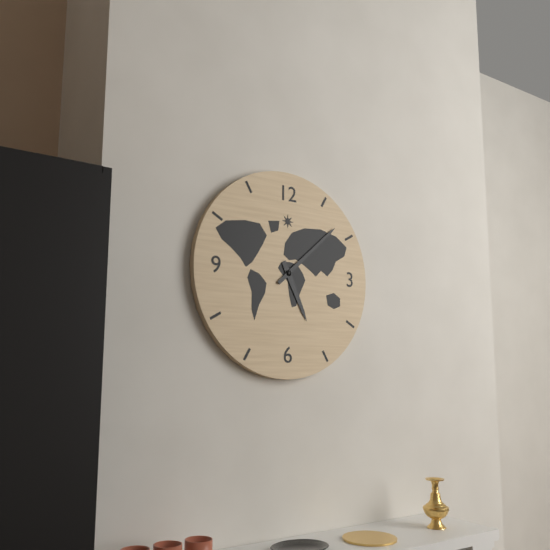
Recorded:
5.08
